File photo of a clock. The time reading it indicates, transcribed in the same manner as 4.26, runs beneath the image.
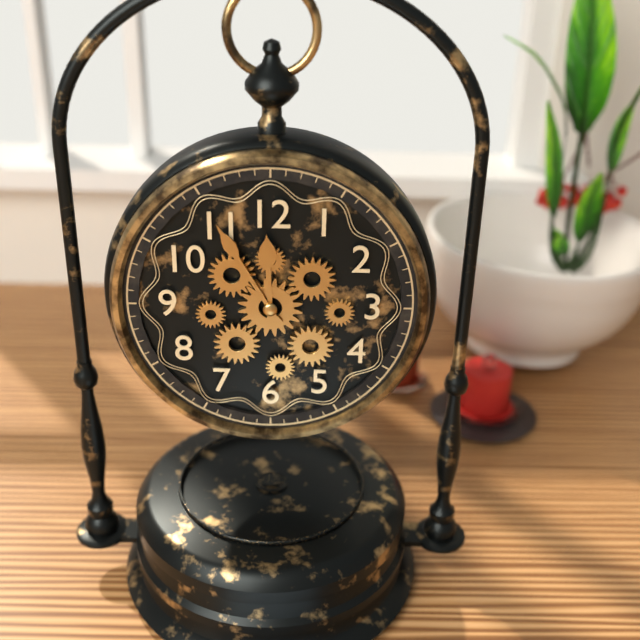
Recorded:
11.55
